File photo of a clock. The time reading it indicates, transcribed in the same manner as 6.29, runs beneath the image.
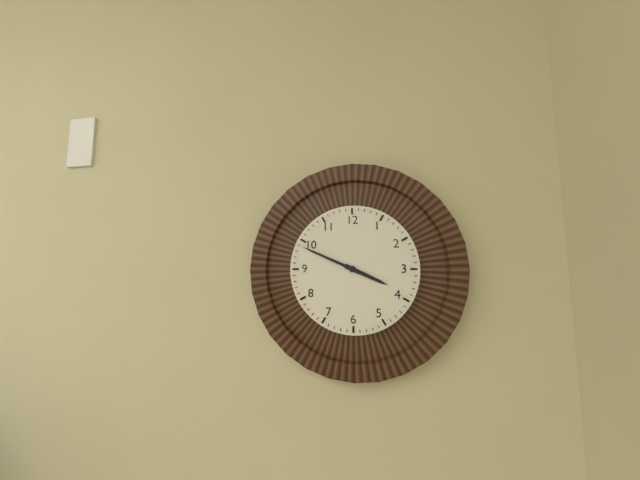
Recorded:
3.49
